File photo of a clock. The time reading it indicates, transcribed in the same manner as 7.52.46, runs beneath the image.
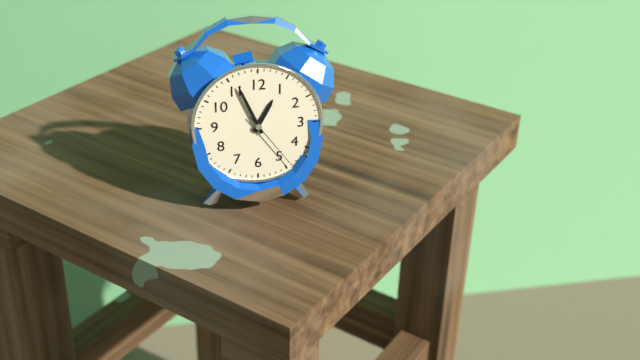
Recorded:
12.56.24
